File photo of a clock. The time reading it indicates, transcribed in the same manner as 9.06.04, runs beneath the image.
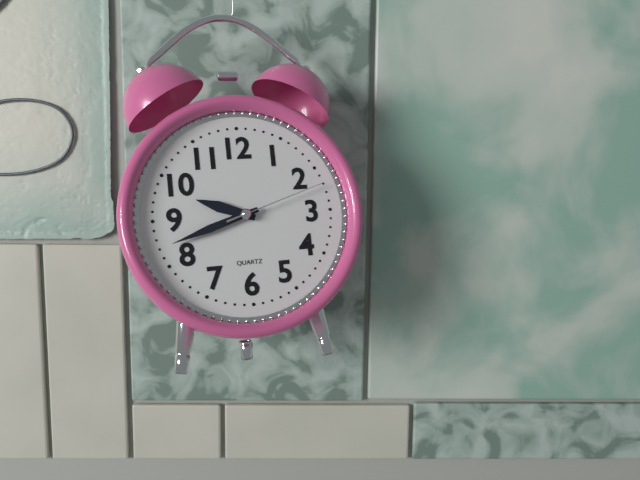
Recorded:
9.42.12
